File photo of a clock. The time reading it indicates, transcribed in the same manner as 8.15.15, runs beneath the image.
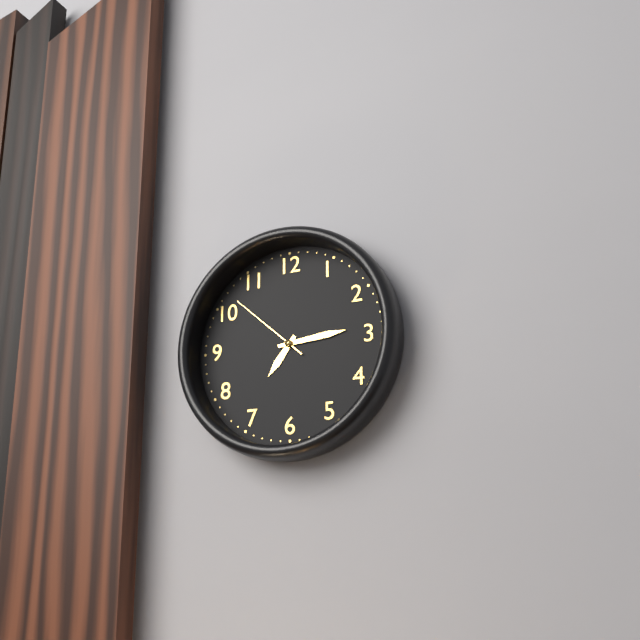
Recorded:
7.14.52
